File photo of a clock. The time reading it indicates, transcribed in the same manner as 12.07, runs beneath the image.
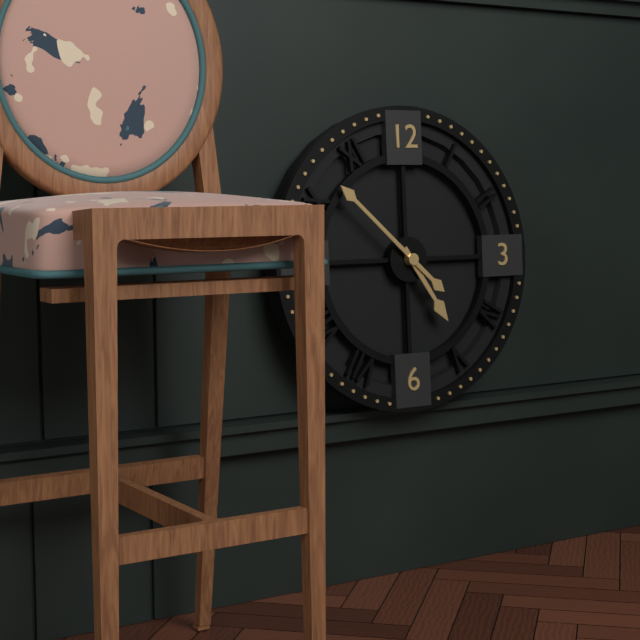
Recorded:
4.52
